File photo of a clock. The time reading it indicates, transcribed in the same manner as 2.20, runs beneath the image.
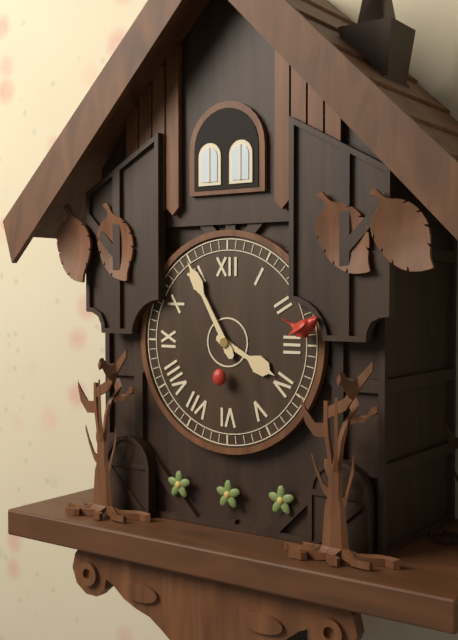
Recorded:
3.55
